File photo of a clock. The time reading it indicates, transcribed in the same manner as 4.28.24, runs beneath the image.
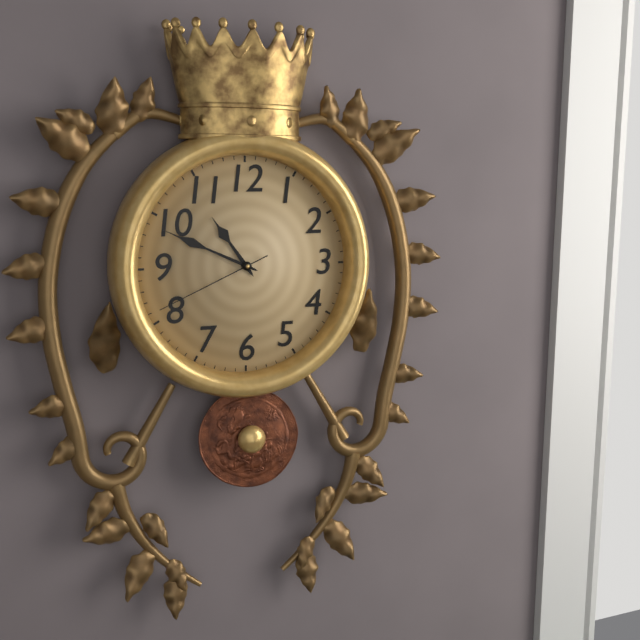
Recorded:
10.49.41
